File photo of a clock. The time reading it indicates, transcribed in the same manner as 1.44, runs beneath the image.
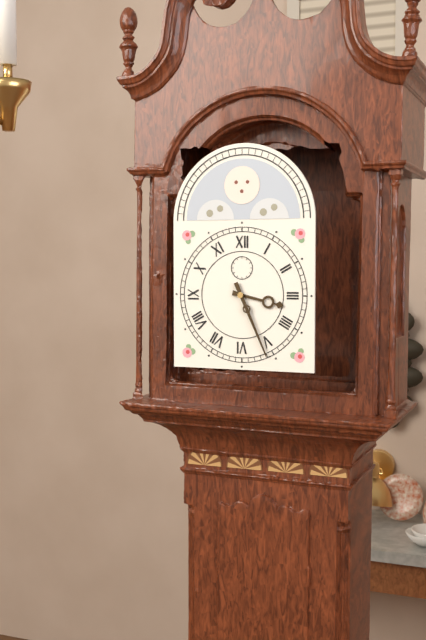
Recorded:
3.26
